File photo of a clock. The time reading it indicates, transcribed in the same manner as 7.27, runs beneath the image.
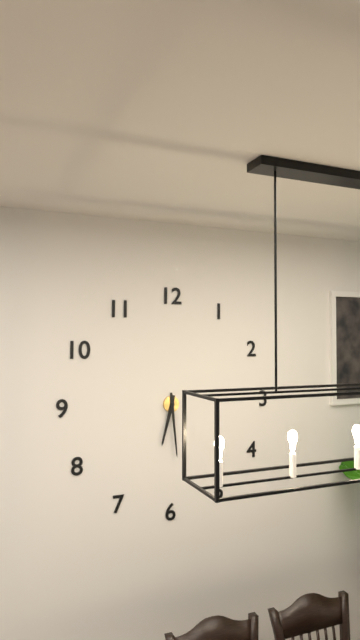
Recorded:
6.29
